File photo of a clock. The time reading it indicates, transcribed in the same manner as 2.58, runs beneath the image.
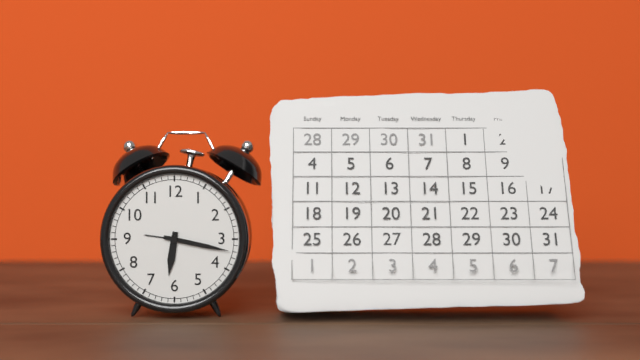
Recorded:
6.17
